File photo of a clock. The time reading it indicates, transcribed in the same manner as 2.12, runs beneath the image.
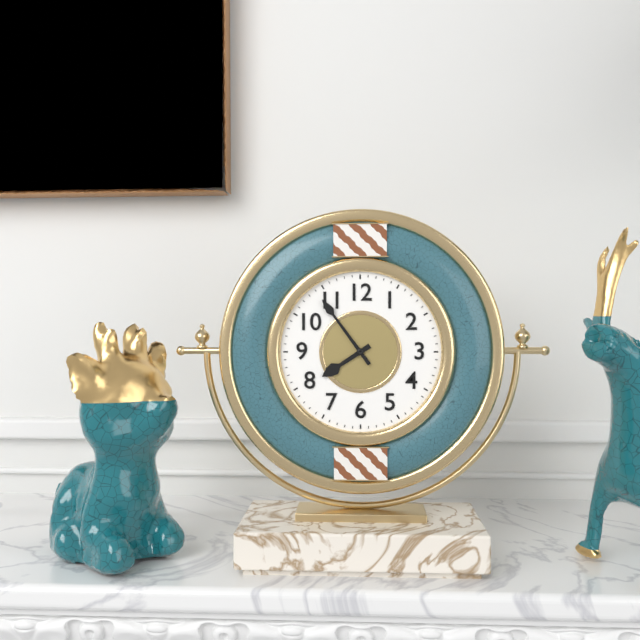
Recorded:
7.54
